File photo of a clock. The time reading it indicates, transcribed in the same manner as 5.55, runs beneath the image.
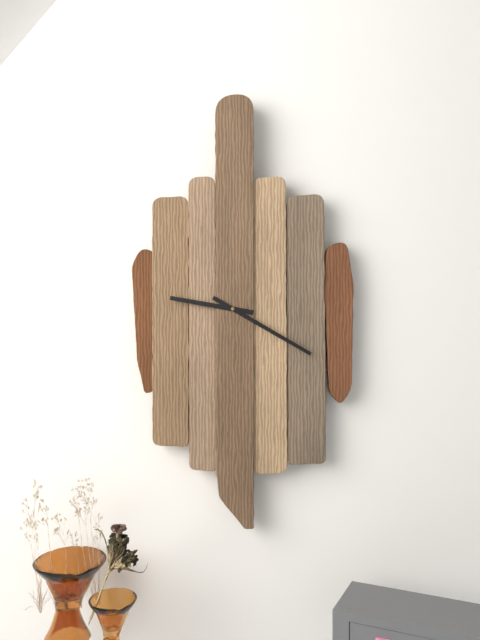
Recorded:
9.20
